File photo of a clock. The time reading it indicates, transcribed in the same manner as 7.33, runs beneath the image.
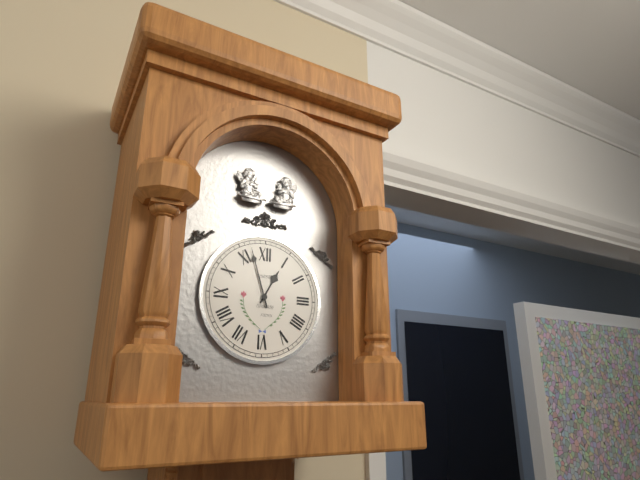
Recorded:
12.57
